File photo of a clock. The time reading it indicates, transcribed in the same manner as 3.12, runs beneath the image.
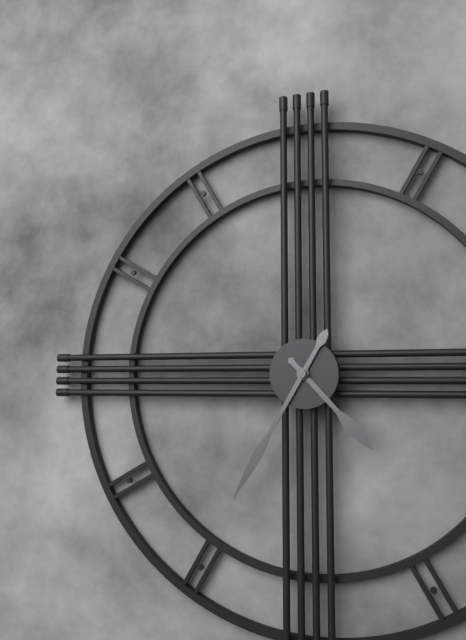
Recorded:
4.35
